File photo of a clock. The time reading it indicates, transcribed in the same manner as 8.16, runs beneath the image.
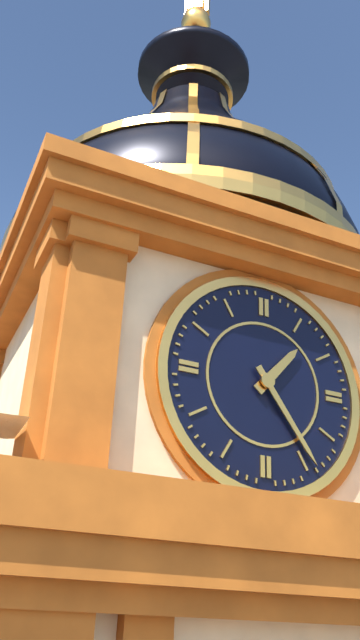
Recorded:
1.24
